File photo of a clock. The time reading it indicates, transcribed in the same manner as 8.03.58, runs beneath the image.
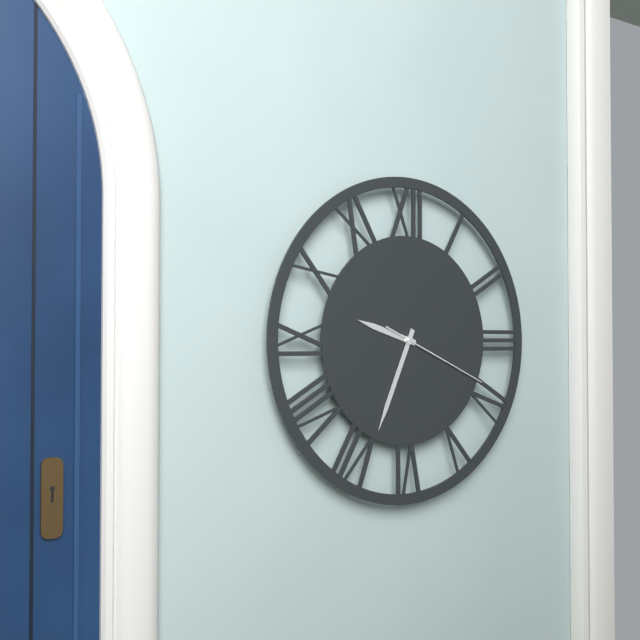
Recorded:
9.34.19
